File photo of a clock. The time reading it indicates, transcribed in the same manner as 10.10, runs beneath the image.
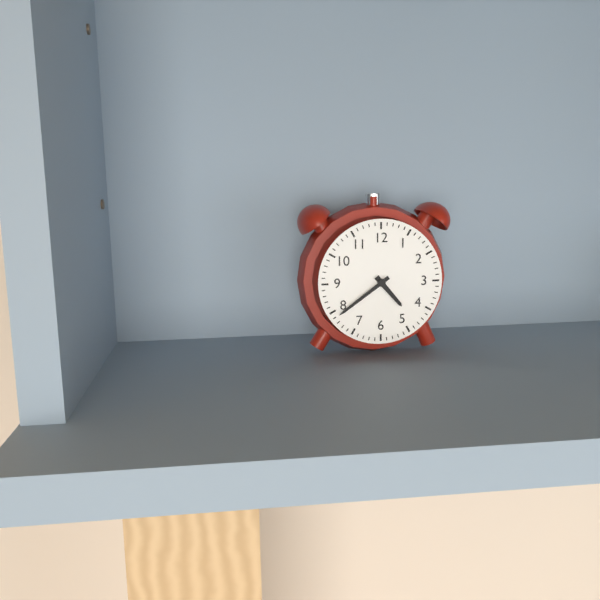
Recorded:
4.39
